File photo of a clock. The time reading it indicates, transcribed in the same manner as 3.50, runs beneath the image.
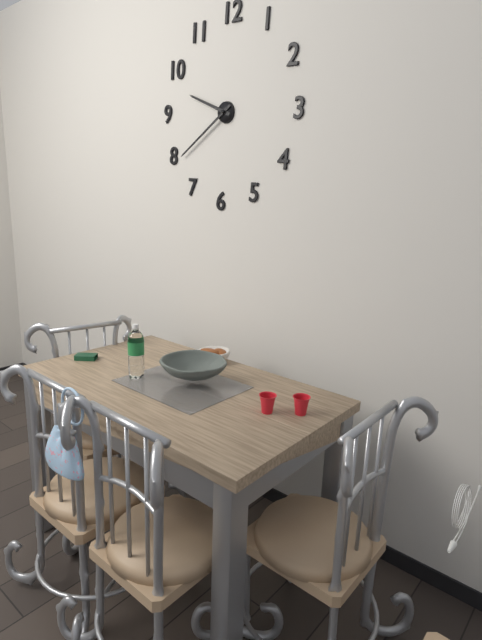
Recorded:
9.39
